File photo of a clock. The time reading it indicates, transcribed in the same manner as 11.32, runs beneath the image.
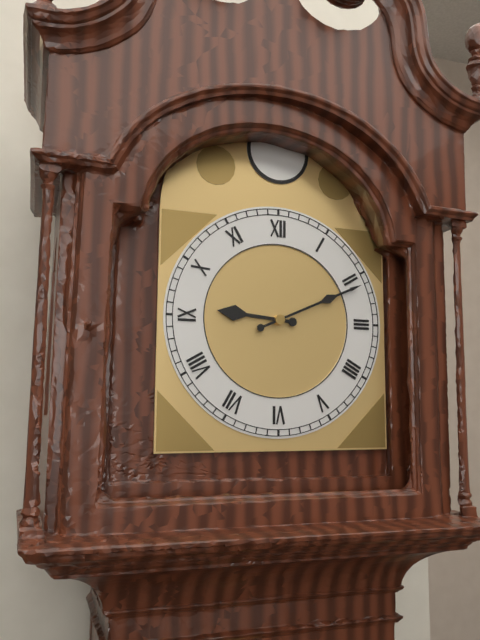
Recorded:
9.11
